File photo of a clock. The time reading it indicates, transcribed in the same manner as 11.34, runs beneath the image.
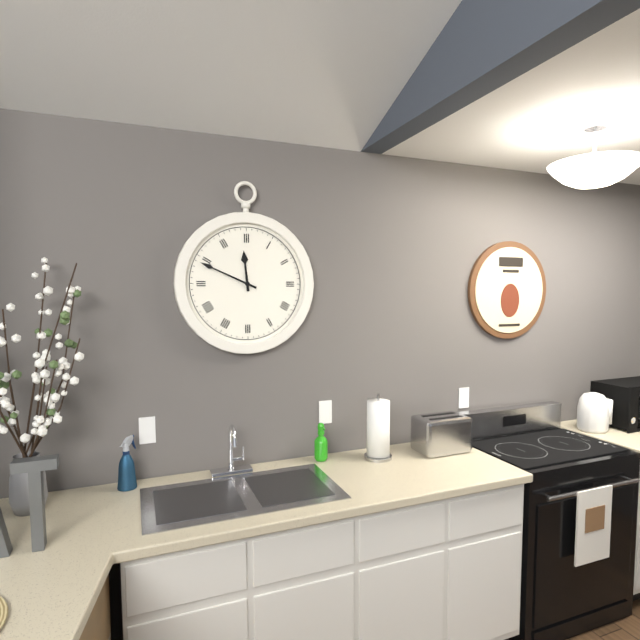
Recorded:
11.49
